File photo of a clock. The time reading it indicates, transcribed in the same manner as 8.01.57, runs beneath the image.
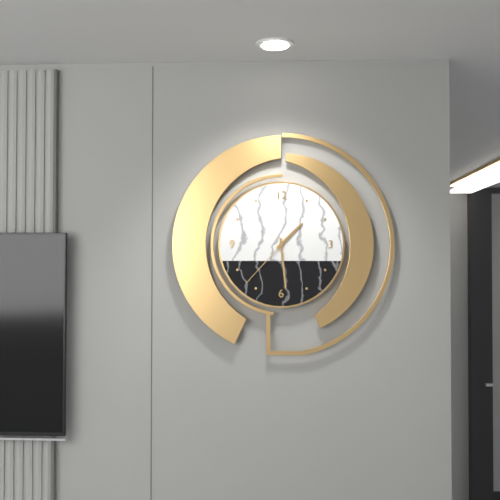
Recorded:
1.29.37
